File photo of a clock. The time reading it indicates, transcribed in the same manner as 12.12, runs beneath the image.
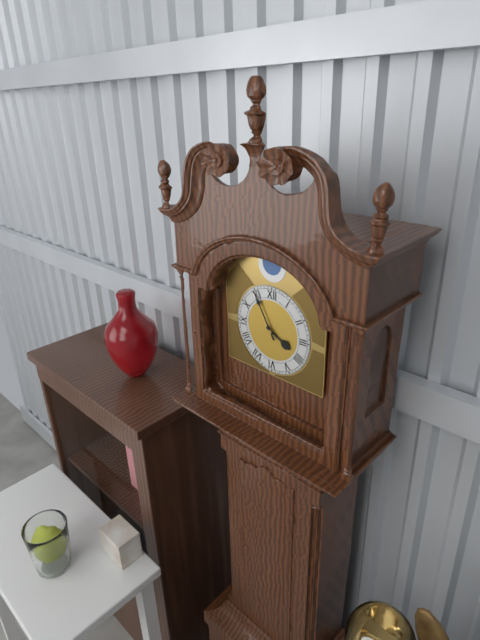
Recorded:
3.55
